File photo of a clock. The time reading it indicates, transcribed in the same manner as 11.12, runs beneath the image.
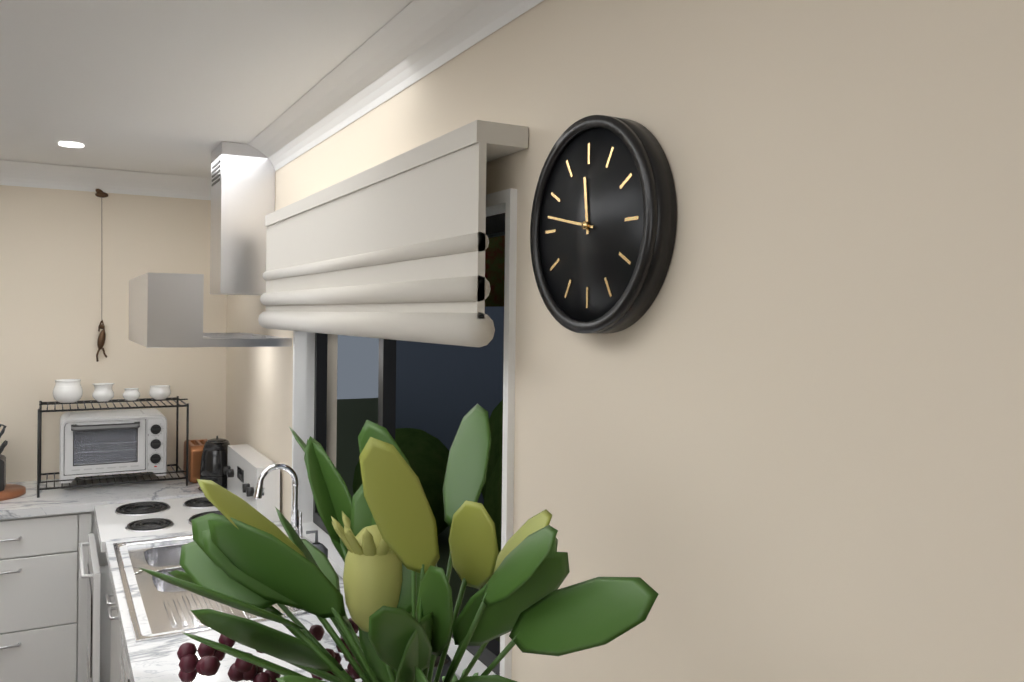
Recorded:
11.47
